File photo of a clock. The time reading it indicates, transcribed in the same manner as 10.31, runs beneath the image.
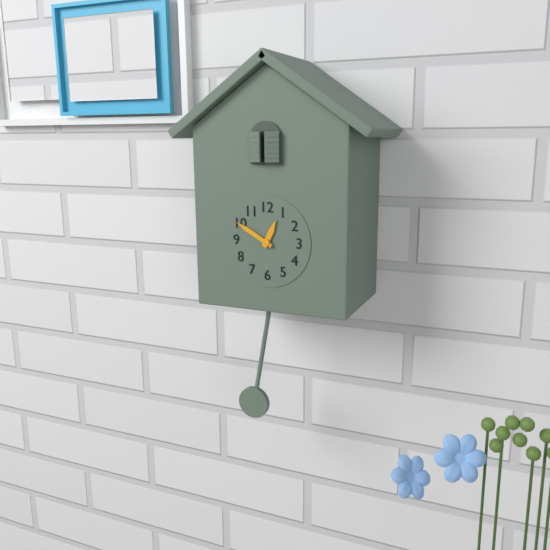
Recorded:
12.50
